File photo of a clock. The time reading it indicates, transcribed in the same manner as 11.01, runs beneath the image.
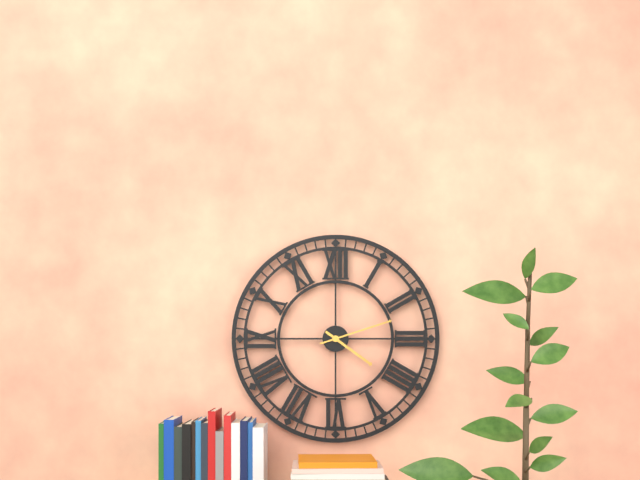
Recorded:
4.12
